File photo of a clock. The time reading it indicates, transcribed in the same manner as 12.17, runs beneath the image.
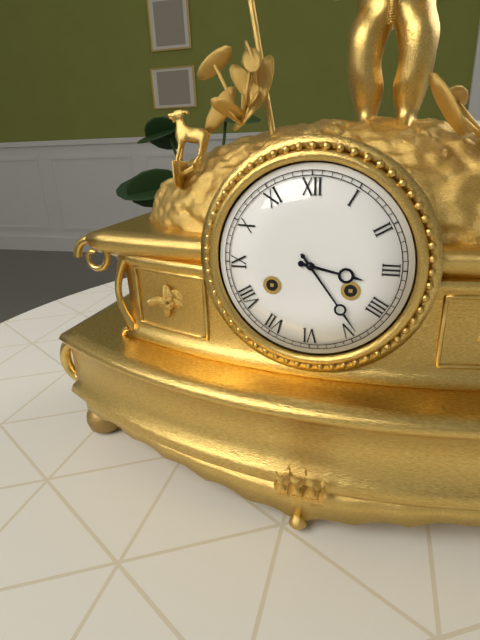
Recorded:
3.24
